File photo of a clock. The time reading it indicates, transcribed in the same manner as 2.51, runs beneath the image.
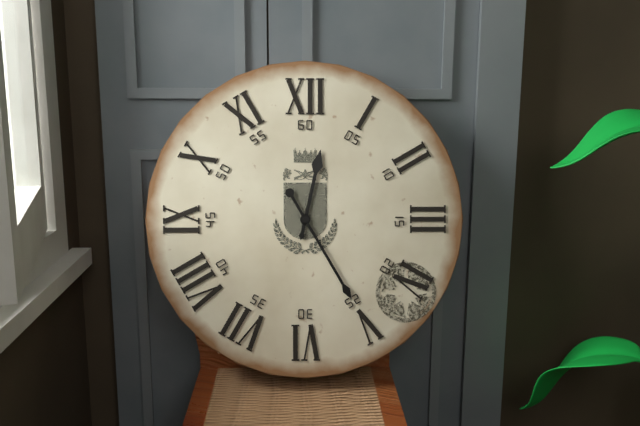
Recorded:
12.25
